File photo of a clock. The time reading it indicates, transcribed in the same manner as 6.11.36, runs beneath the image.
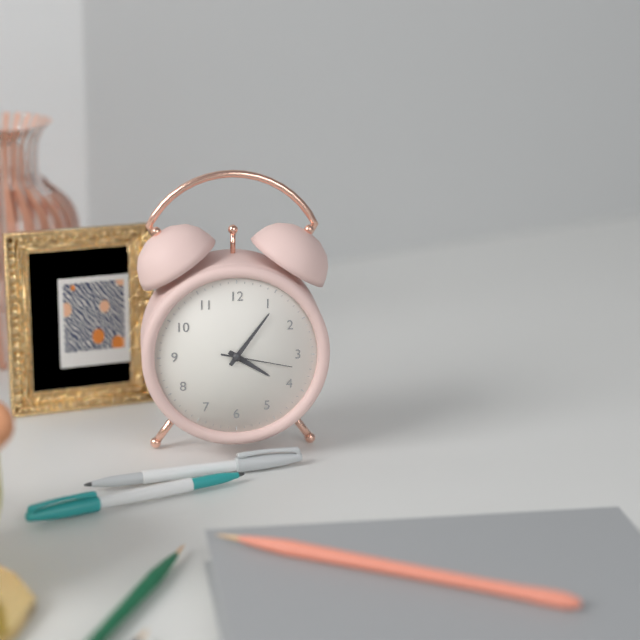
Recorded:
4.06.17
